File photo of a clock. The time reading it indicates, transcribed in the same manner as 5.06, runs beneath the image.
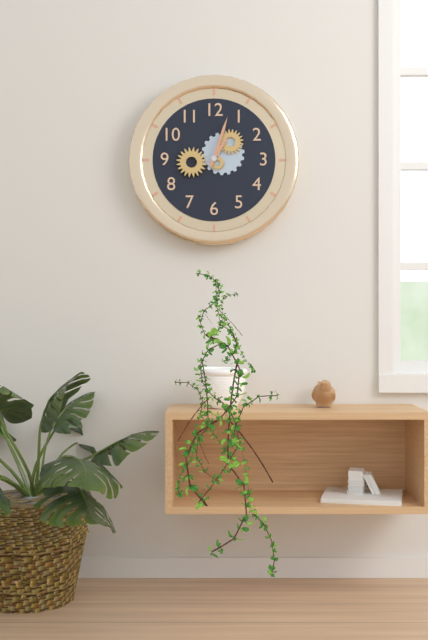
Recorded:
1.03
